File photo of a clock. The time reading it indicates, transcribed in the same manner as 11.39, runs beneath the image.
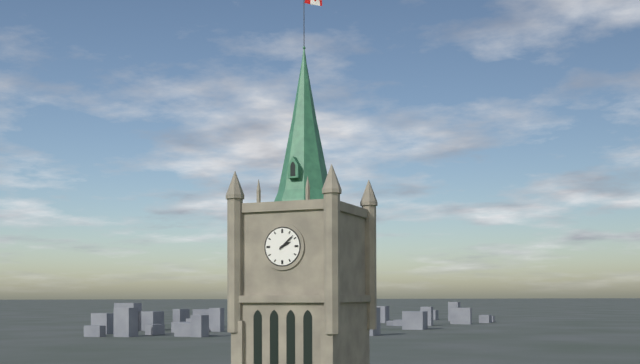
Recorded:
2.08
